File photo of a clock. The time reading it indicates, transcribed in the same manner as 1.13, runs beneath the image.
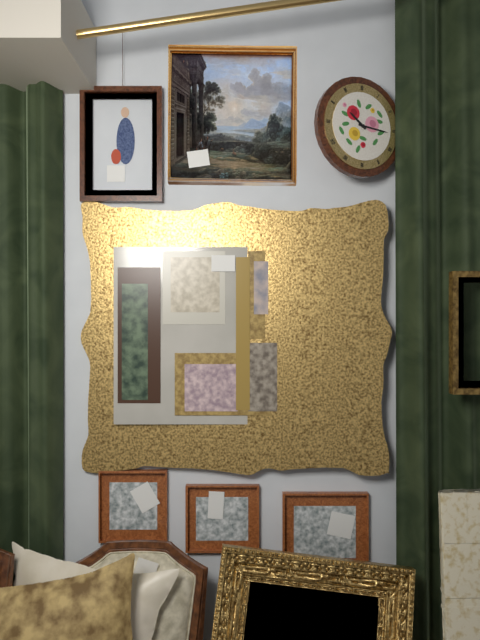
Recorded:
10.16
